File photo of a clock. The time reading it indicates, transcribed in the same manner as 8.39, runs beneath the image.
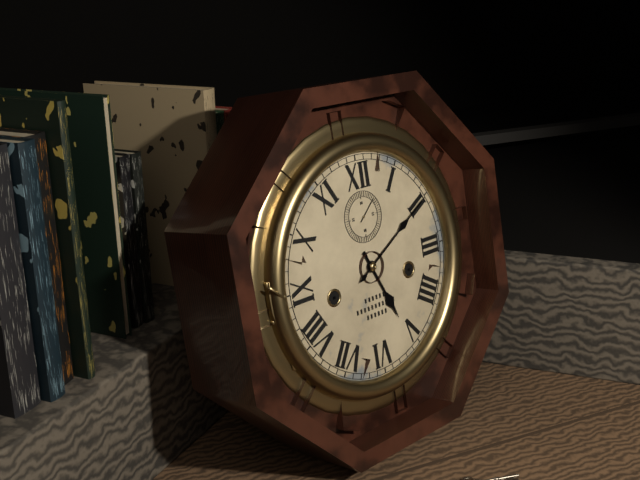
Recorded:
5.10
